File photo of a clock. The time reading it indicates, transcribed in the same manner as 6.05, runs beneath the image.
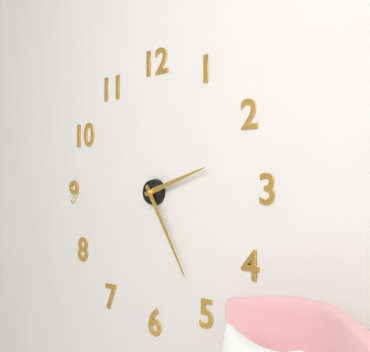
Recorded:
2.25
